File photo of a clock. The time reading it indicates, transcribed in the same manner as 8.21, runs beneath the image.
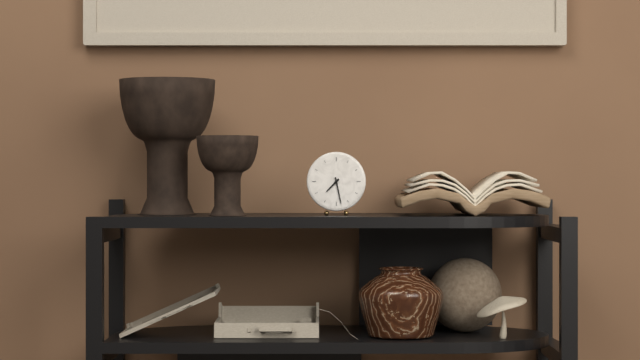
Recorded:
7.28
